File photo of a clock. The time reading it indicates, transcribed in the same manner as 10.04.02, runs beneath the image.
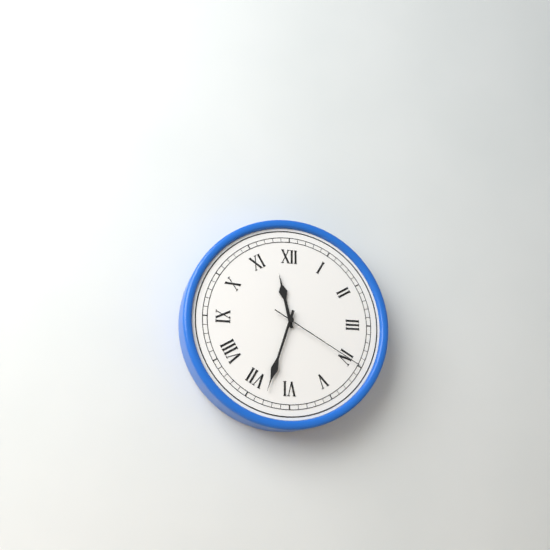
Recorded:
11.33.20
